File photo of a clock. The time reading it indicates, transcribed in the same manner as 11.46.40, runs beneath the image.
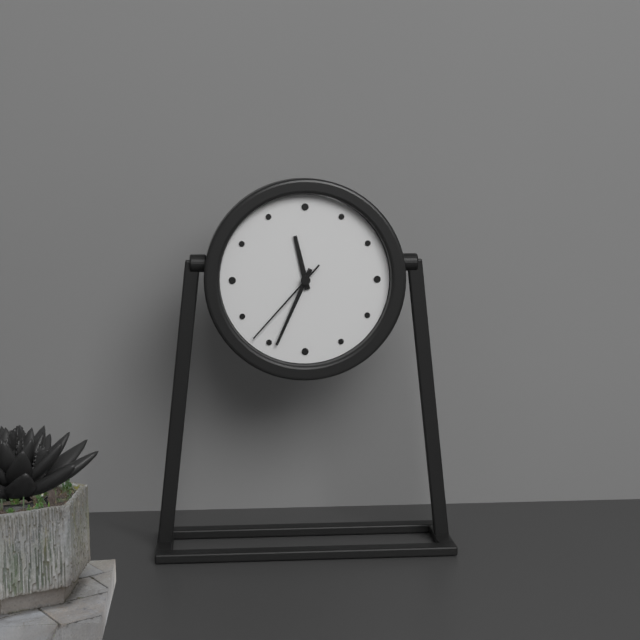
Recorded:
11.34.37
